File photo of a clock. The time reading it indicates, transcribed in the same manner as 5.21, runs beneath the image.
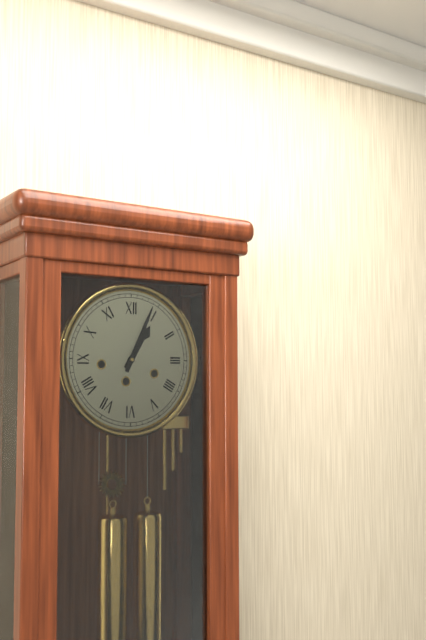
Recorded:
1.04
